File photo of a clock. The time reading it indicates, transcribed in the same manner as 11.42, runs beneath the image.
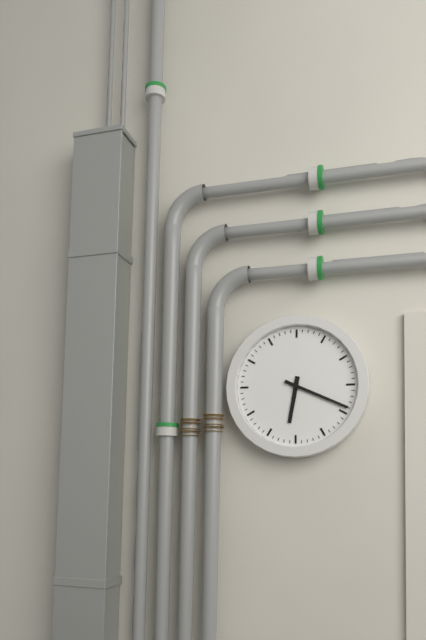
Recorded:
6.19
